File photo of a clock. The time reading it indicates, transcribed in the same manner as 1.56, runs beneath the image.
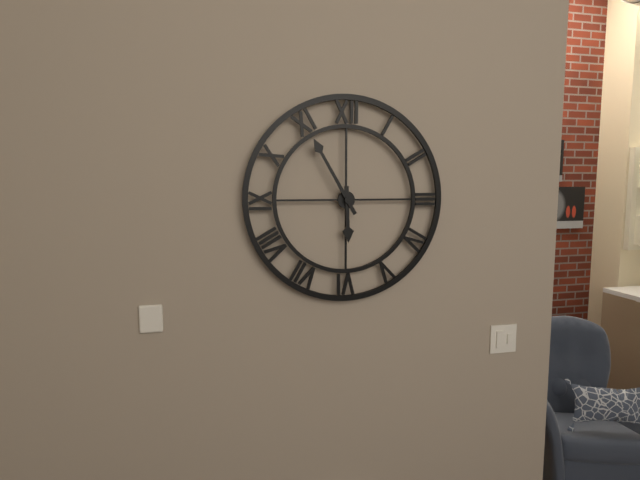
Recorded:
5.55
